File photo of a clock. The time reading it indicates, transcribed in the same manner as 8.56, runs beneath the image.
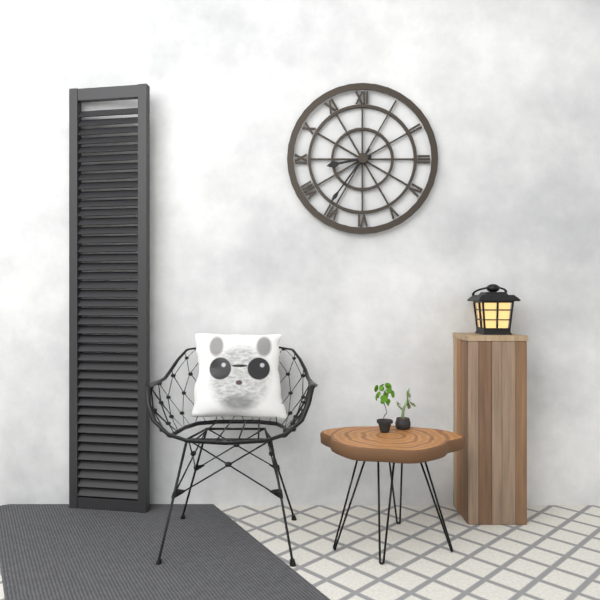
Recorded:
8.36
